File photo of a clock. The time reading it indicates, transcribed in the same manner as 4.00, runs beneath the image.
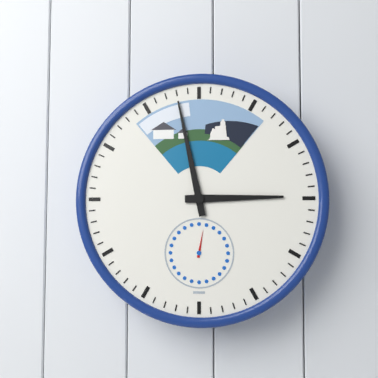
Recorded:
2.58
